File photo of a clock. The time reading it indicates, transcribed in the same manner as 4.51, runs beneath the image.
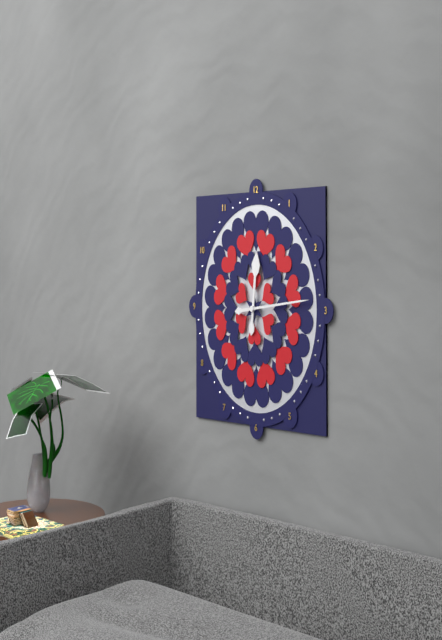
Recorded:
12.14
